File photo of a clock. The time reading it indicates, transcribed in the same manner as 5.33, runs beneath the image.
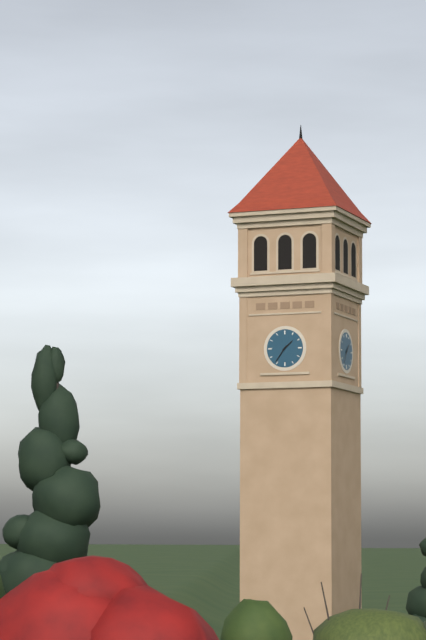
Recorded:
1.36
